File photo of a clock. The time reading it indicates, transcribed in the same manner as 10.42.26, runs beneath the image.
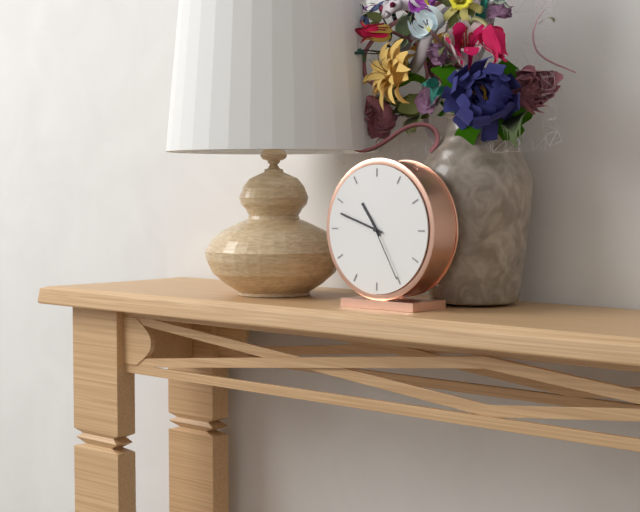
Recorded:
10.48.25
